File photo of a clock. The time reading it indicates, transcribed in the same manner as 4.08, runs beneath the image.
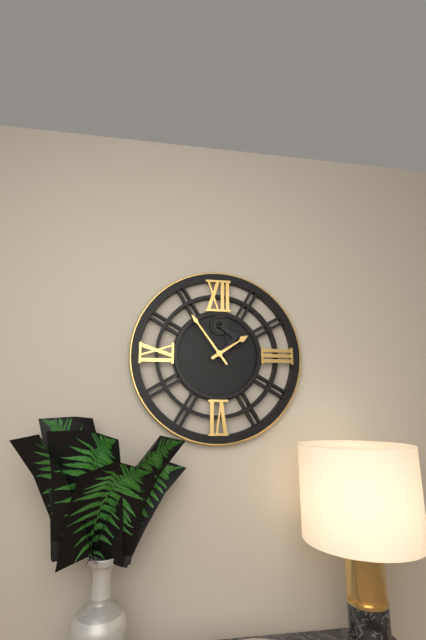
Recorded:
1.54
